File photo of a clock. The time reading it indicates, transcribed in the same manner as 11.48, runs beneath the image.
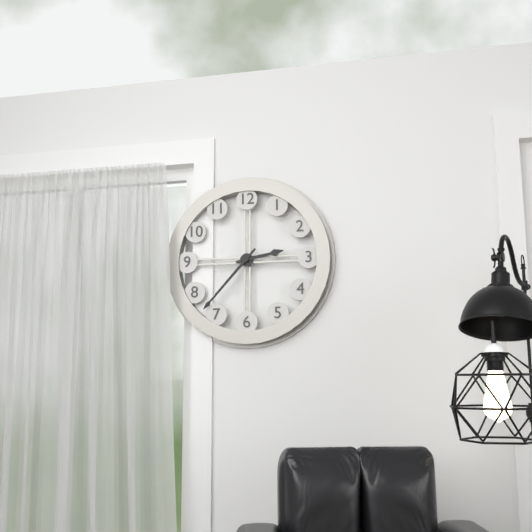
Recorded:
2.37
